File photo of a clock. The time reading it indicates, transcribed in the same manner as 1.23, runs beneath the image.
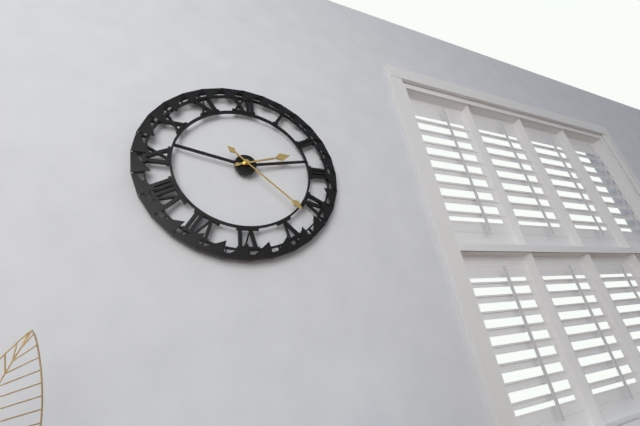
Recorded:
2.22
